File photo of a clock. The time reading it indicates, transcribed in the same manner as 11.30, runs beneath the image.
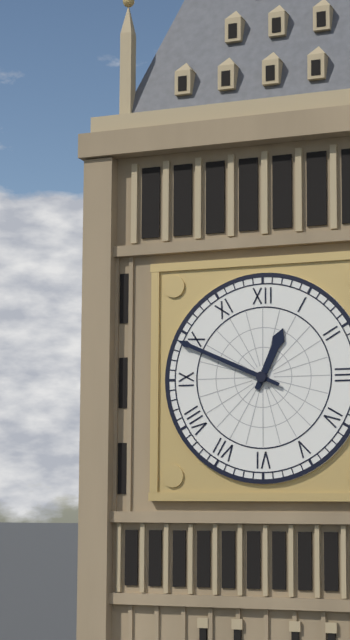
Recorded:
12.49
